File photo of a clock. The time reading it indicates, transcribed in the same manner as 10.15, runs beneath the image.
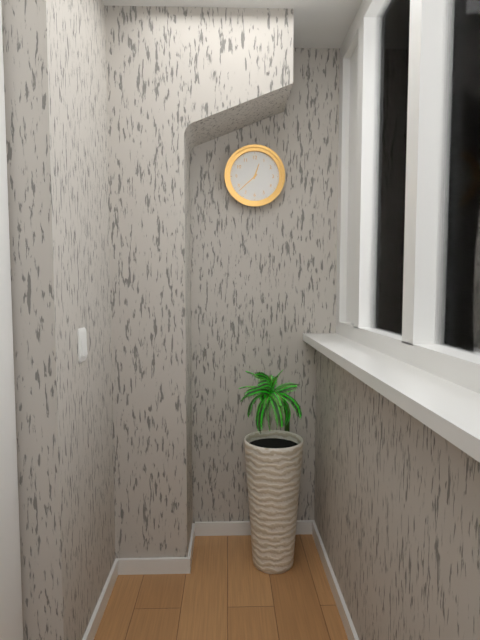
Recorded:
12.38
